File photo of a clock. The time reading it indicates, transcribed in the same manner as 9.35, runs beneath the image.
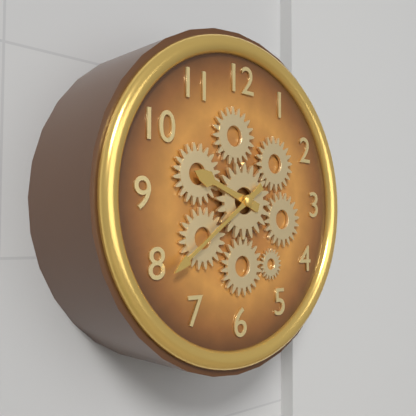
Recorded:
9.39
